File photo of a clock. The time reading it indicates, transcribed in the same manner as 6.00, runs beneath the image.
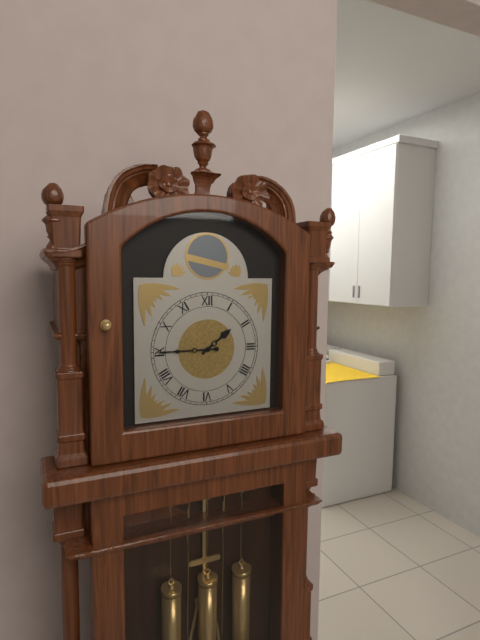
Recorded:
1.45
